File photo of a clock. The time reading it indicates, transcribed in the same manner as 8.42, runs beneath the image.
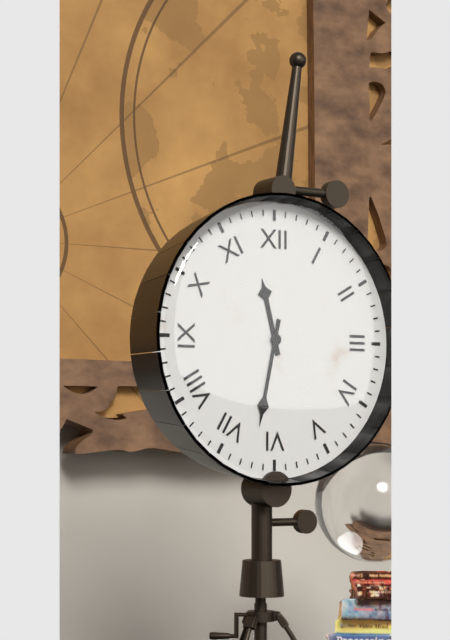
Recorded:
11.32
